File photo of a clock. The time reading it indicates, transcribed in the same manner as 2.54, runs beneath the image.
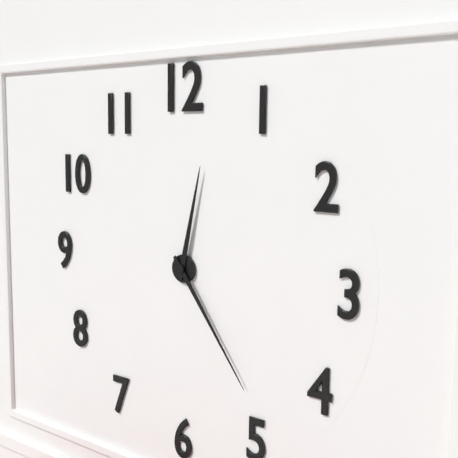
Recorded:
12.24
